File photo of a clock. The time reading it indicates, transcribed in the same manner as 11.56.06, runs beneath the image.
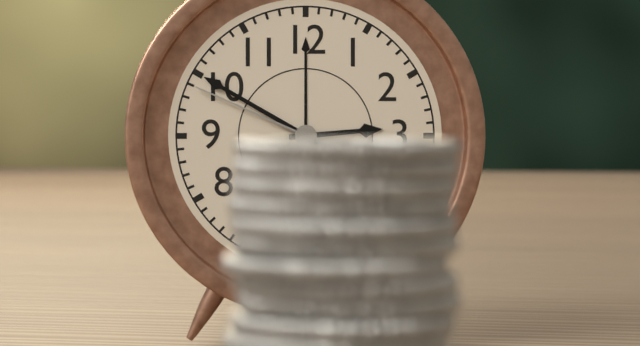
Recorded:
2.50.49
